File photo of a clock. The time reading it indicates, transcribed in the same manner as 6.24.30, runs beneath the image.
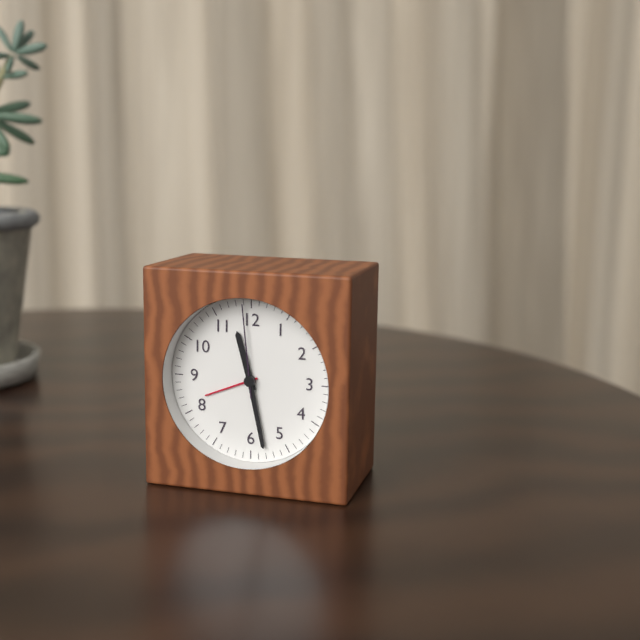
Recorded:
11.28.59
